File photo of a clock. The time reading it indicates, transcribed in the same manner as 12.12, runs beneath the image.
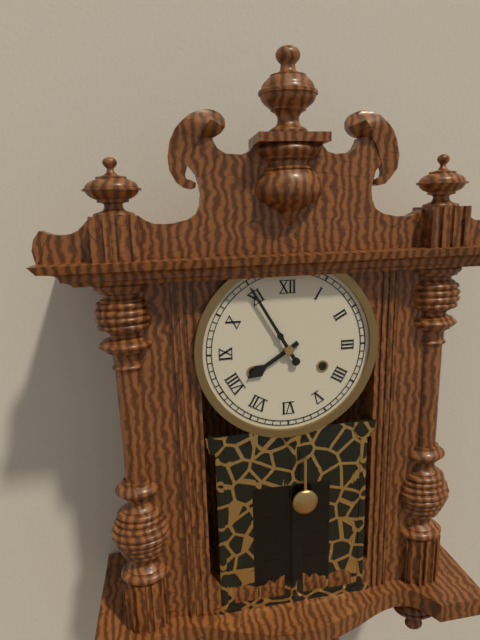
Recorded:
7.55
